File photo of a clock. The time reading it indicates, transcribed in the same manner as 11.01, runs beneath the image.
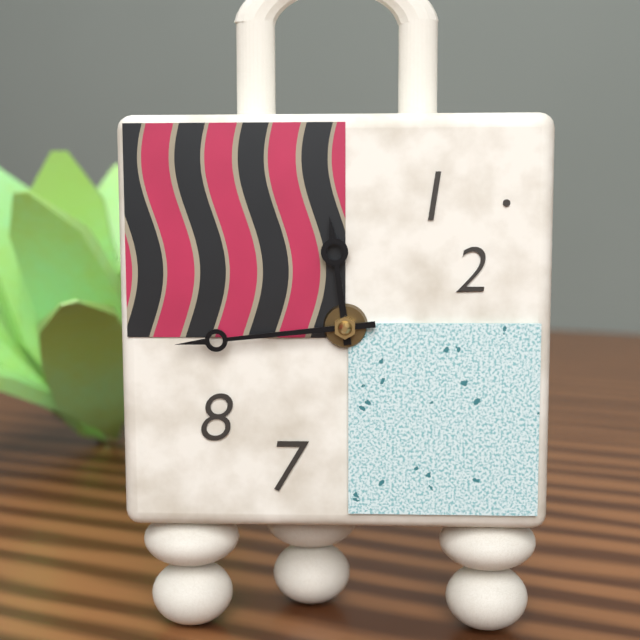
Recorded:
11.44
